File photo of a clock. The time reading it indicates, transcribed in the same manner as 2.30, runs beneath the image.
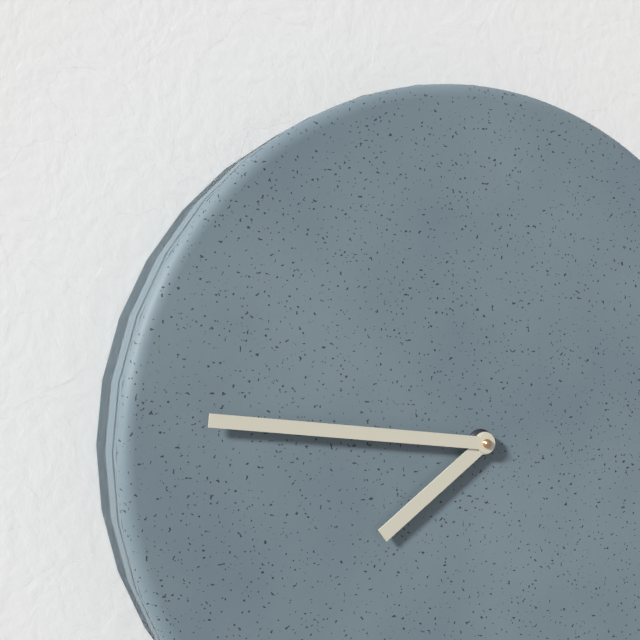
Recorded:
7.46
